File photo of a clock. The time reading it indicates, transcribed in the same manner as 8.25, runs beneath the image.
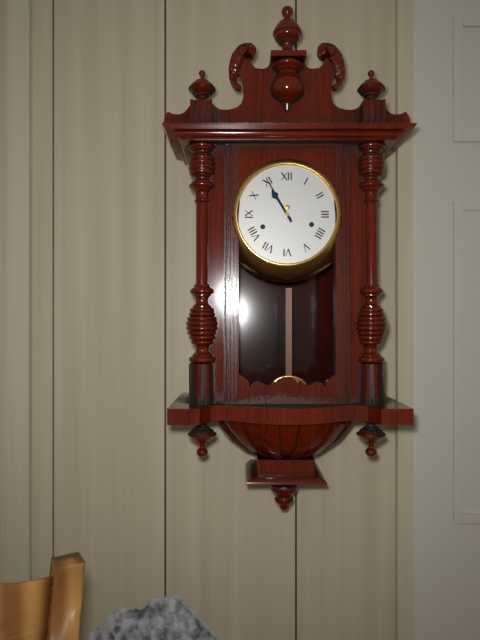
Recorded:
10.55
